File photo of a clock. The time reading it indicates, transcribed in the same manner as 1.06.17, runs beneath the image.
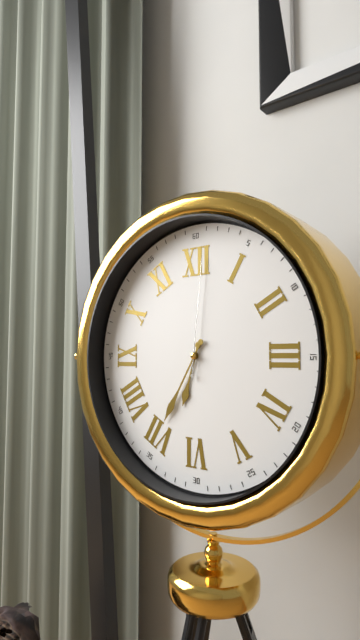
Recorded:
6.35.01
